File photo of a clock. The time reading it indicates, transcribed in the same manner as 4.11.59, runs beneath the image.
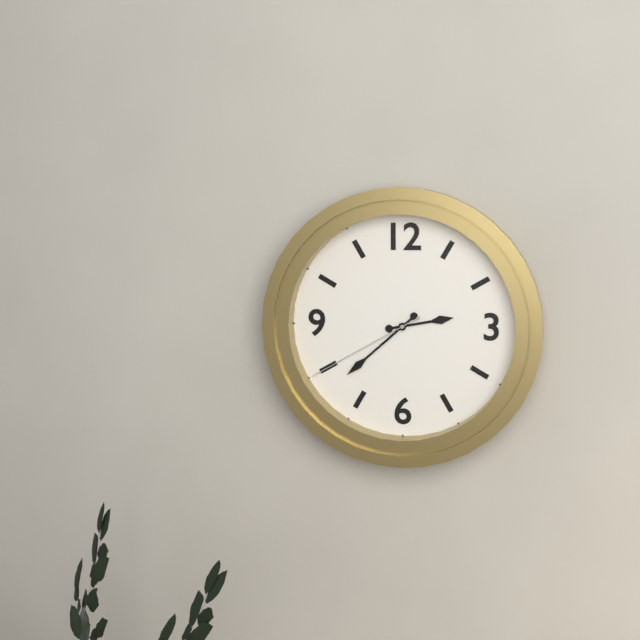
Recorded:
2.38.40
